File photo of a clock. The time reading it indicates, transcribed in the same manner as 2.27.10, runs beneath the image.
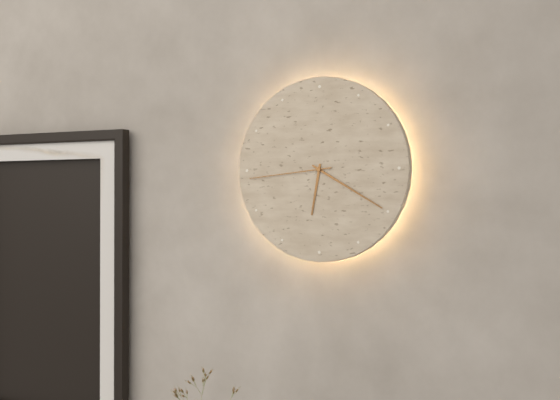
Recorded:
6.20.44
